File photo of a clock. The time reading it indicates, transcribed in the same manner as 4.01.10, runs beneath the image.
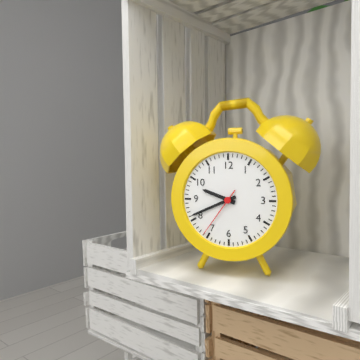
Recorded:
9.41.36
